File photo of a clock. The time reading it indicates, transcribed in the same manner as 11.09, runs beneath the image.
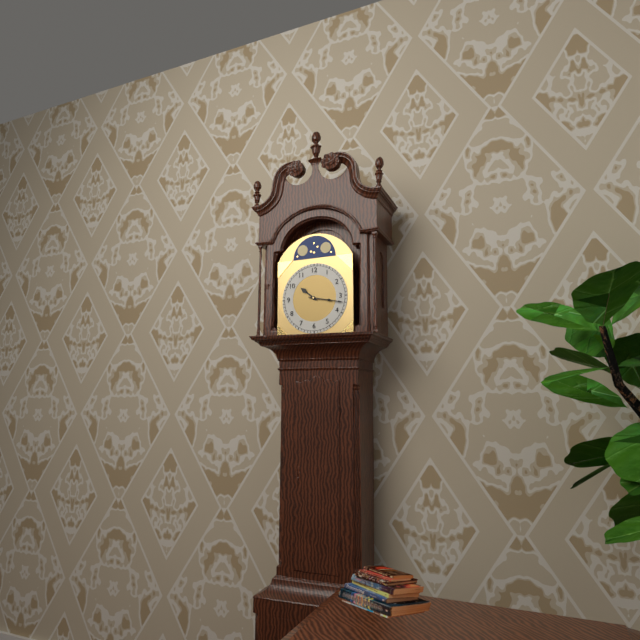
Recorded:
10.17
